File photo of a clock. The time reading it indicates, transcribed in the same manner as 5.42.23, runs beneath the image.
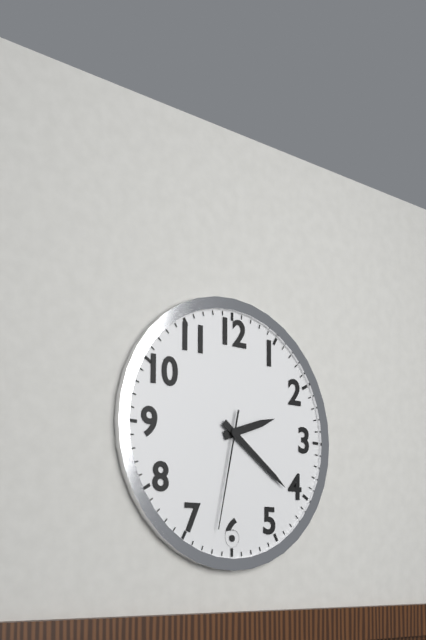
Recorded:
2.21.32
